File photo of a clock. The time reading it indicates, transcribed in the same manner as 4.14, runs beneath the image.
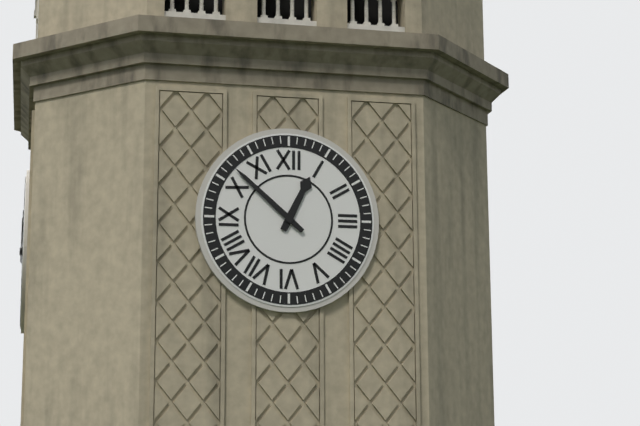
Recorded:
12.52
